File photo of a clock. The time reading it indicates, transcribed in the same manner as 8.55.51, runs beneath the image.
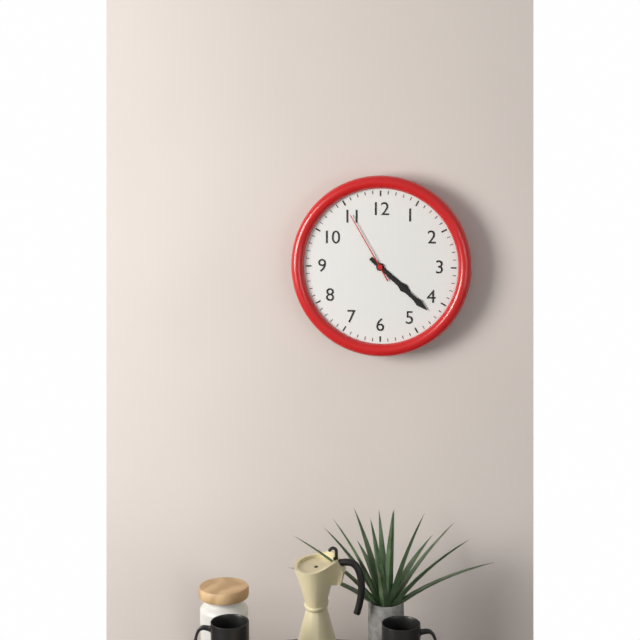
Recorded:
4.22.55
